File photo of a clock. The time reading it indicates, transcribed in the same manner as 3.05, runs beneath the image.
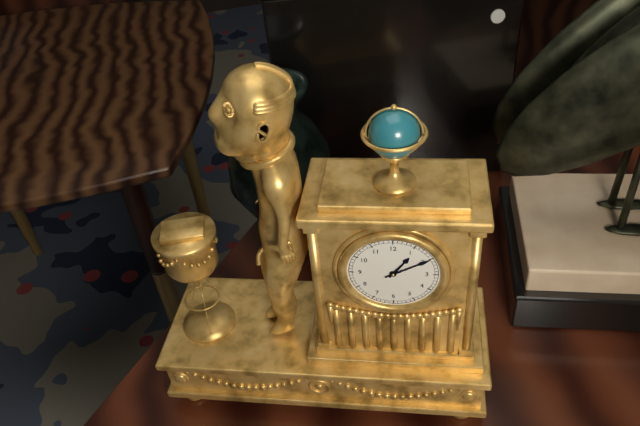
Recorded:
1.10
